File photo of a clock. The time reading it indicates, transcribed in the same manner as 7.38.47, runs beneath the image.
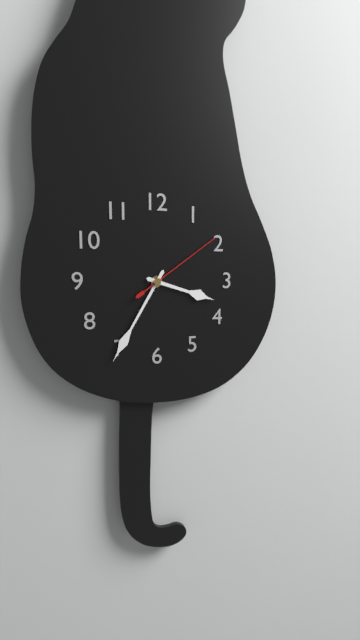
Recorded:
3.35.09
